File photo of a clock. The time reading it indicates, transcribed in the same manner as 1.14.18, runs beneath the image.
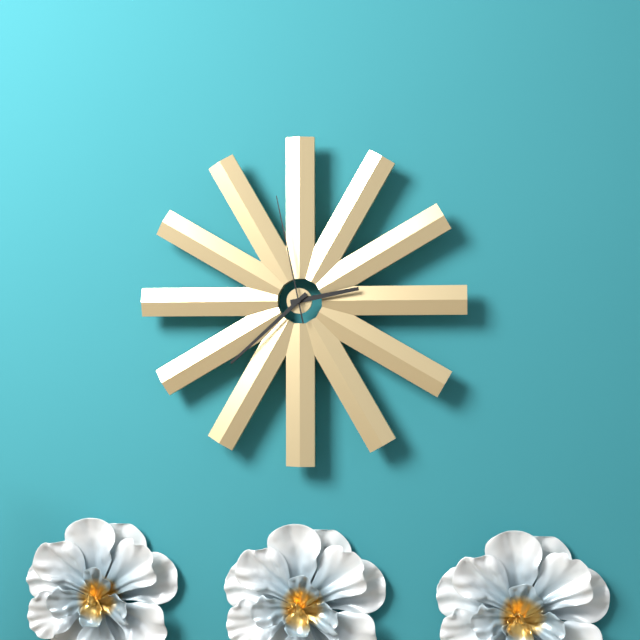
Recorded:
2.38.58
